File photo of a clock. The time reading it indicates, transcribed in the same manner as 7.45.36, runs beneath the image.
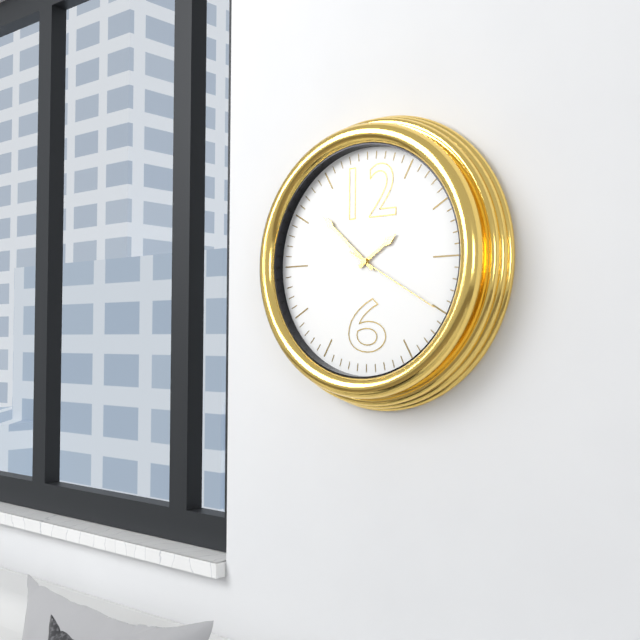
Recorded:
1.52.20
